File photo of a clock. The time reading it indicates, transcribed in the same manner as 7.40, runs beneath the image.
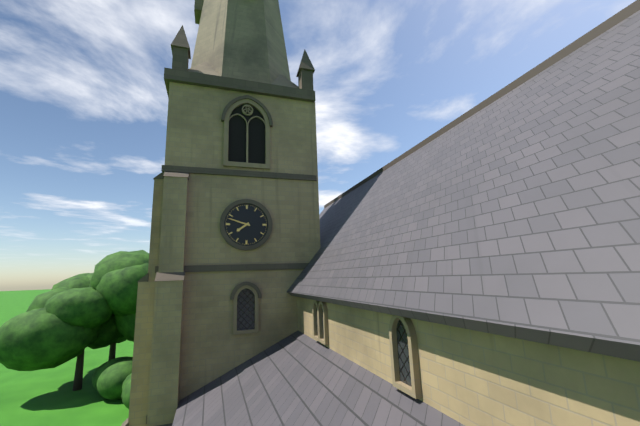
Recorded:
7.48
